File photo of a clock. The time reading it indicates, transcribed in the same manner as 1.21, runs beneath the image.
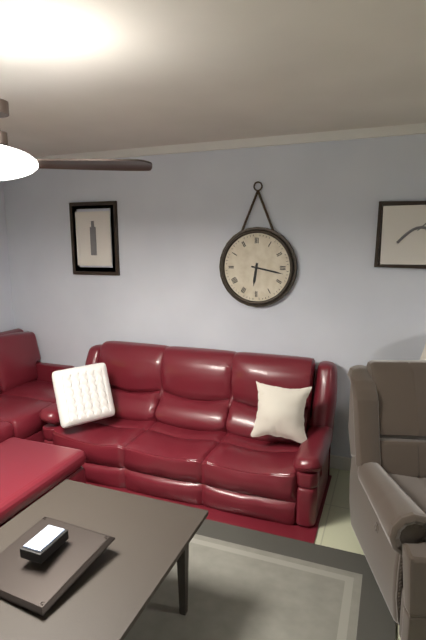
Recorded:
6.17
